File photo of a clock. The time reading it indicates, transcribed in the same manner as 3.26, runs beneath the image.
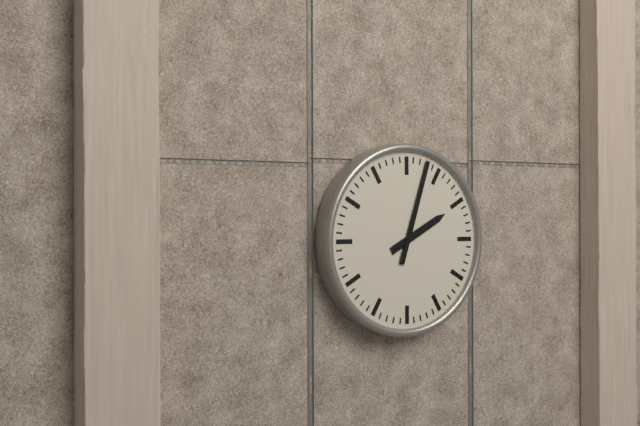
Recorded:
2.03
